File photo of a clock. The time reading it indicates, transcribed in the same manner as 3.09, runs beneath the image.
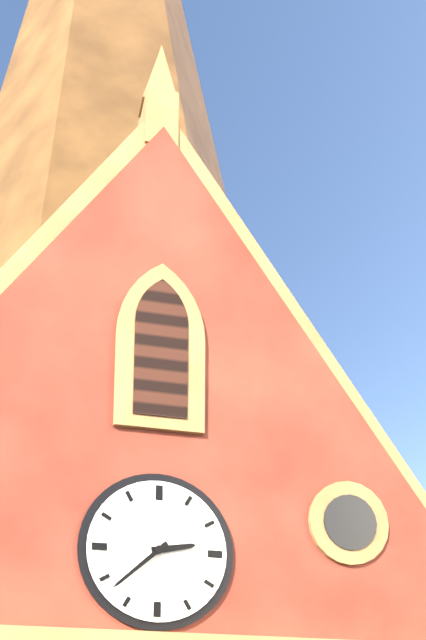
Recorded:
2.38
